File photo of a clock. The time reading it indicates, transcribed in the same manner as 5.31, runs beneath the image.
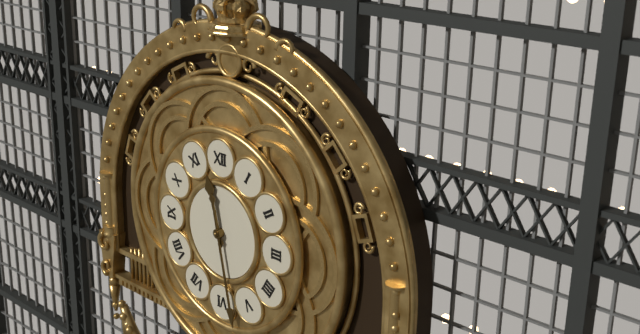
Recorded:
11.28
